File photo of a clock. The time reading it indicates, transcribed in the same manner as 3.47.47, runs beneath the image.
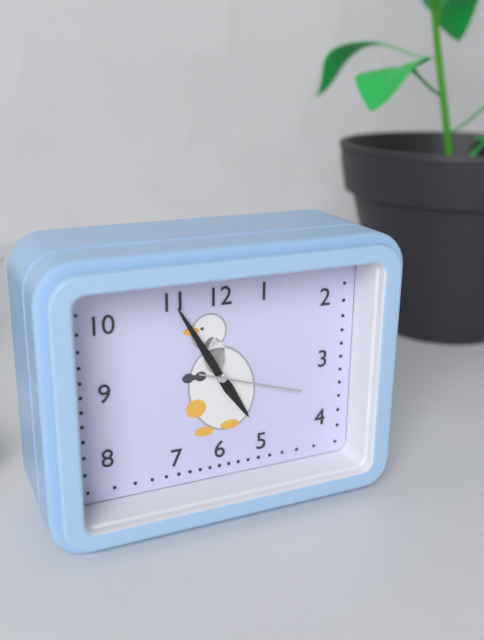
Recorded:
4.55.18
